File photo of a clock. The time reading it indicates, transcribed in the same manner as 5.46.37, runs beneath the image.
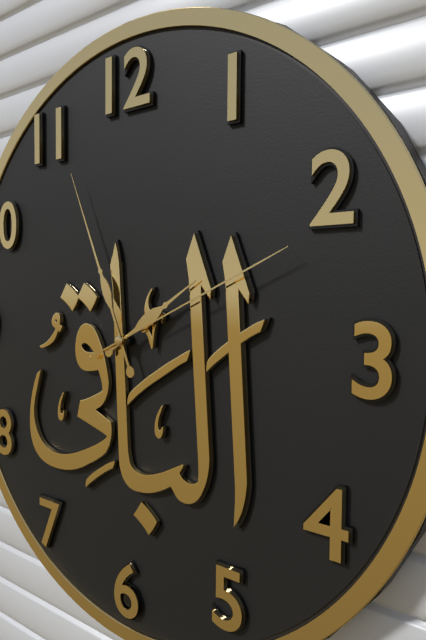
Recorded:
1.56.11
